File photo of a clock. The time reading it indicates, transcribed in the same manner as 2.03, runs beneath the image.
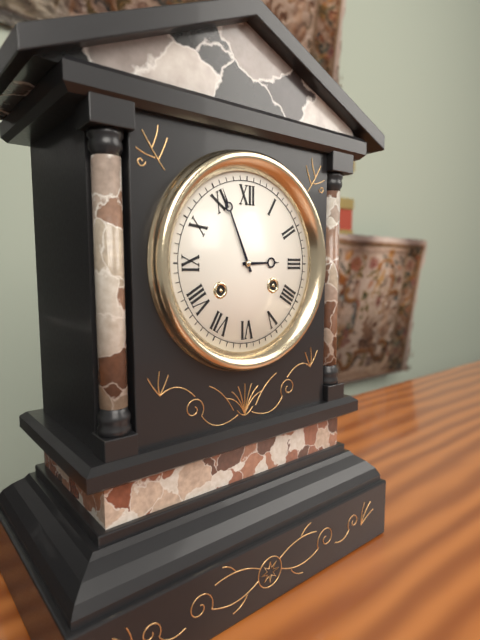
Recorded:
2.56
